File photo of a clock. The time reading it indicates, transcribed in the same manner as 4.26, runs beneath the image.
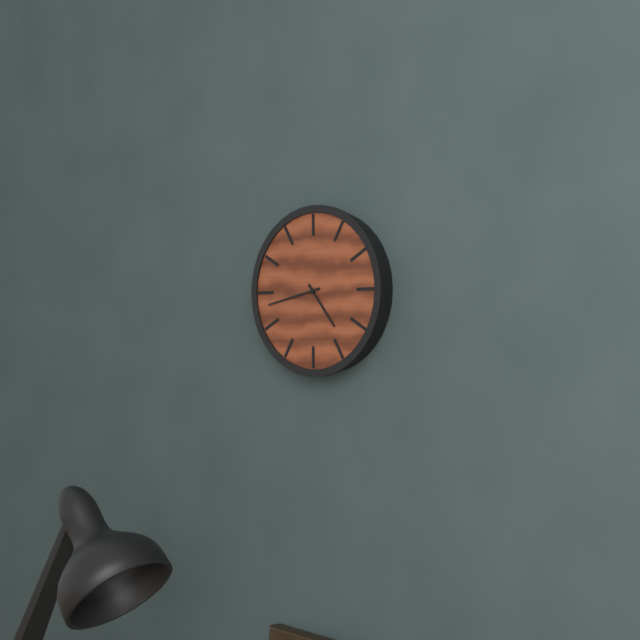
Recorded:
4.43
